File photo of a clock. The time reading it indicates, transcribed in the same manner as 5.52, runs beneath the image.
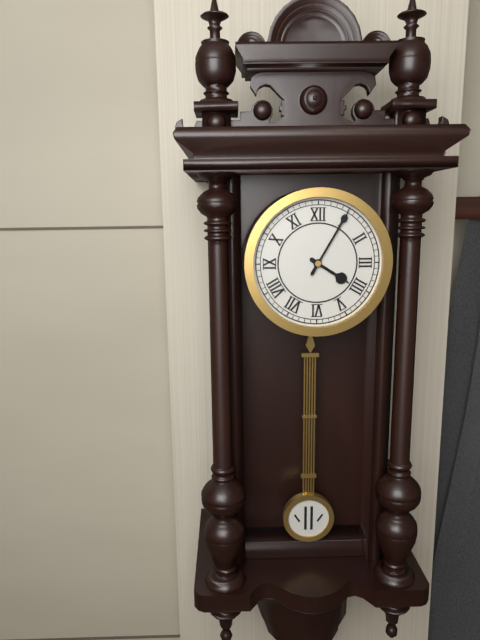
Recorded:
4.05
